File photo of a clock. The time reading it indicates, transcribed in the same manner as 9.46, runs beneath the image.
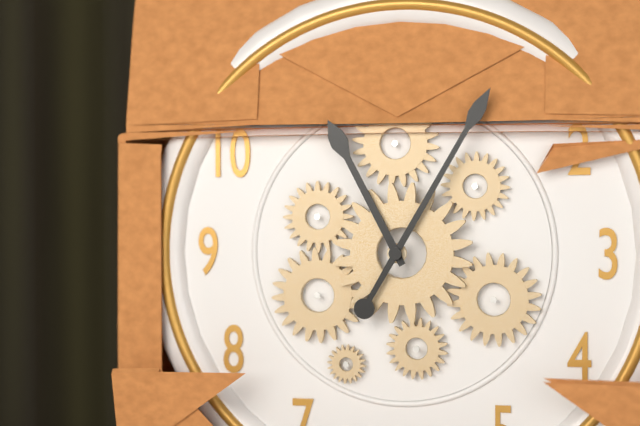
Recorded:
11.05
